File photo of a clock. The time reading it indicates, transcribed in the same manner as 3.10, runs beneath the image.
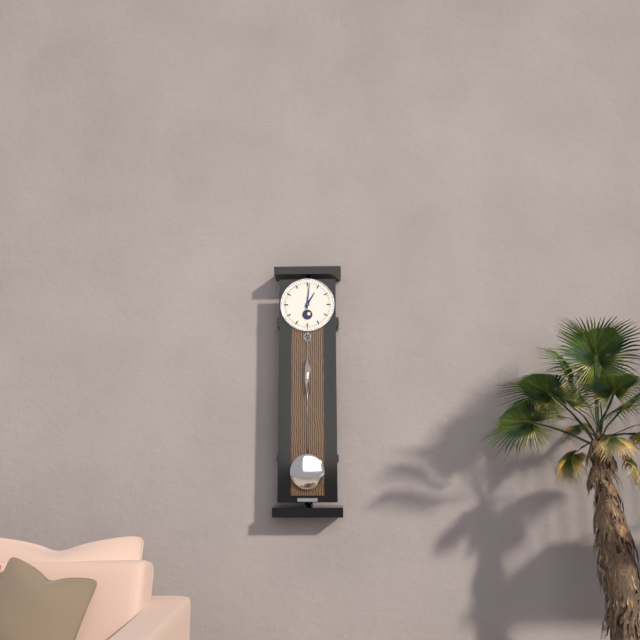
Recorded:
1.01
